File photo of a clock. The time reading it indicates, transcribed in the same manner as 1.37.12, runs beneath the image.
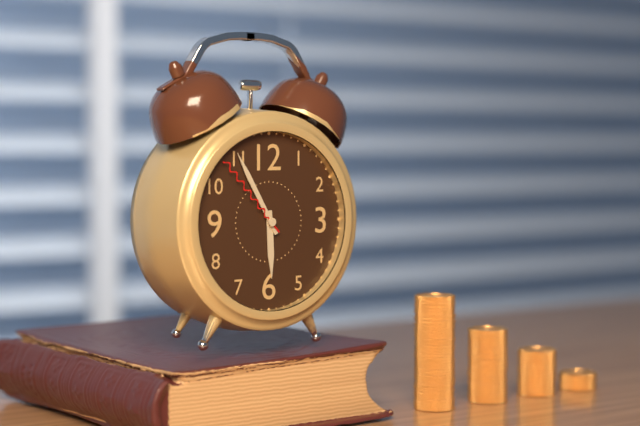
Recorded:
5.55.53
